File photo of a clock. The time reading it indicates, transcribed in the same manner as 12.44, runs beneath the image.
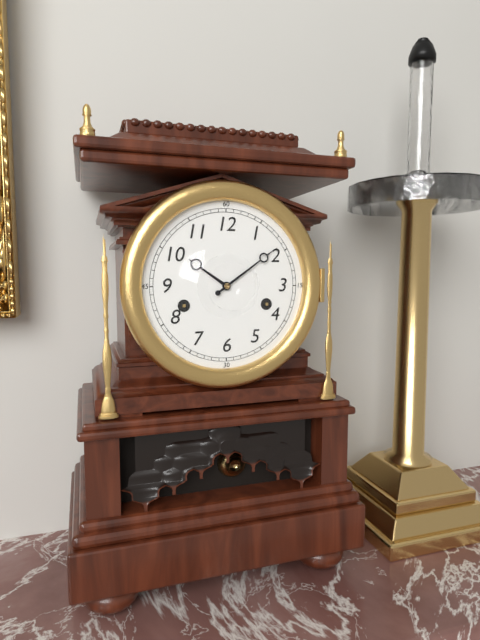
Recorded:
10.09
